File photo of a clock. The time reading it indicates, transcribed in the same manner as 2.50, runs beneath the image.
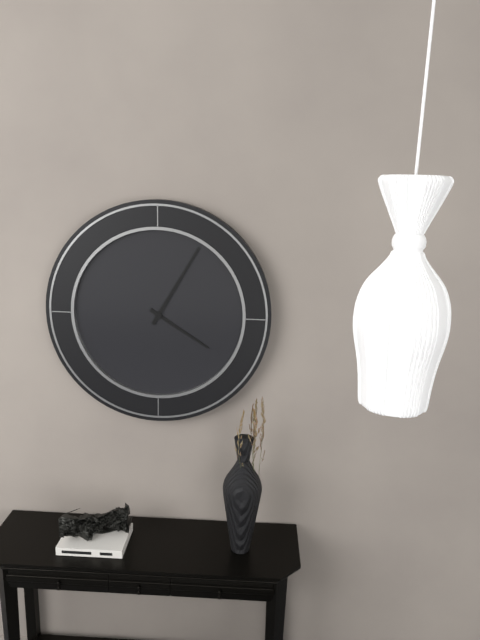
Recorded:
4.05
